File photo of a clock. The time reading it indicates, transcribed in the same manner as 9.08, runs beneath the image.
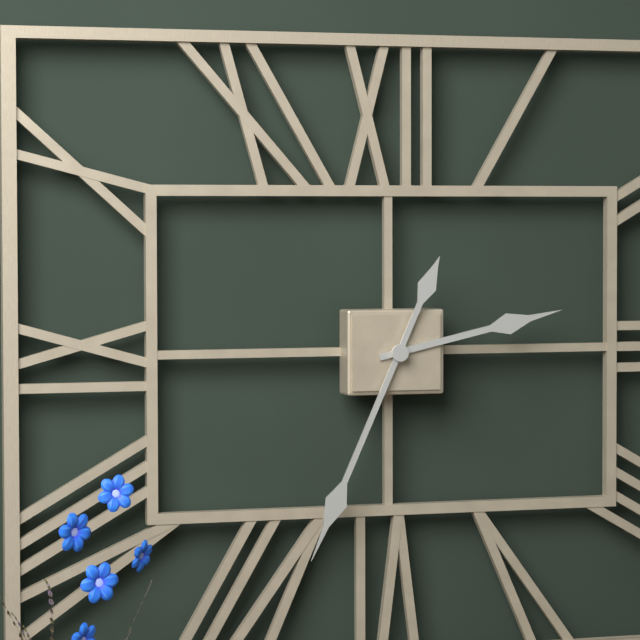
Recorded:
2.34
